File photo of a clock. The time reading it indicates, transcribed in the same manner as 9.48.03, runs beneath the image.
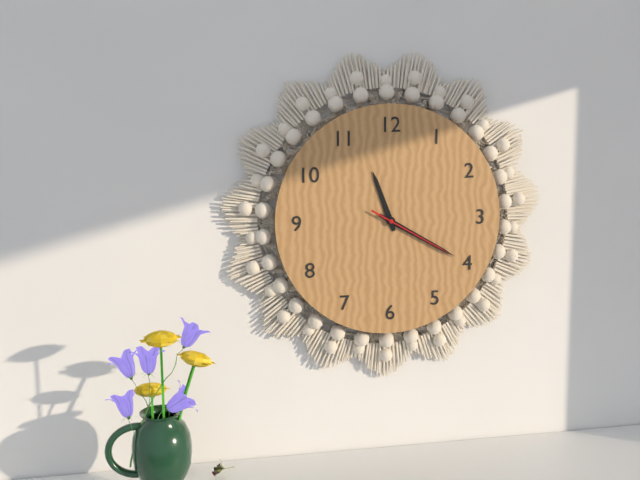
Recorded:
11.20.20
